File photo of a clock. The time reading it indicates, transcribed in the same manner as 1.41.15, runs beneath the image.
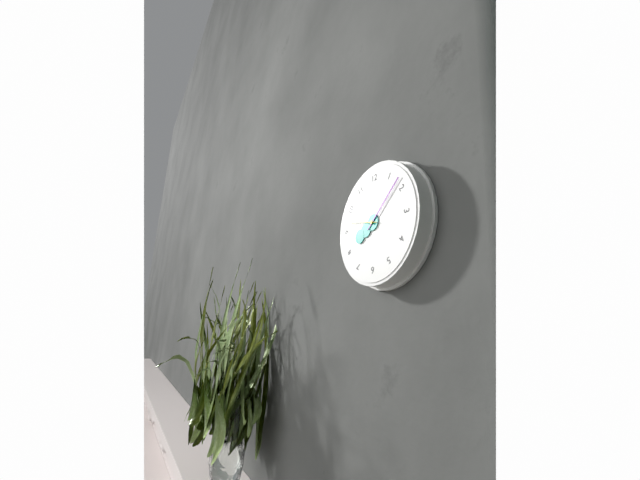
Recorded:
8.08.47
